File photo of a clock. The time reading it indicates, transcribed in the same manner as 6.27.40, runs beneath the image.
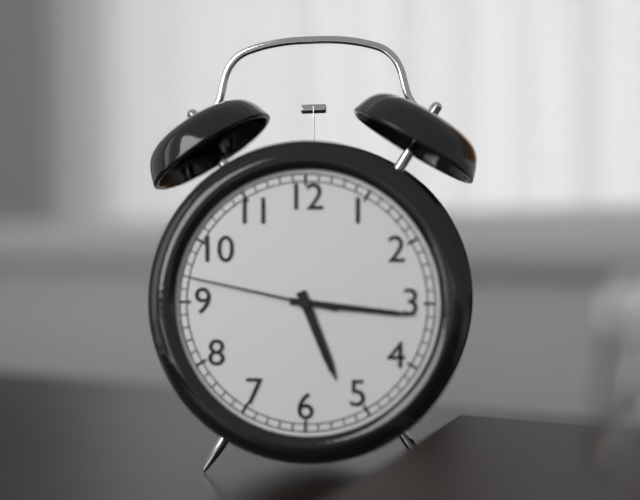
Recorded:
5.16.47
